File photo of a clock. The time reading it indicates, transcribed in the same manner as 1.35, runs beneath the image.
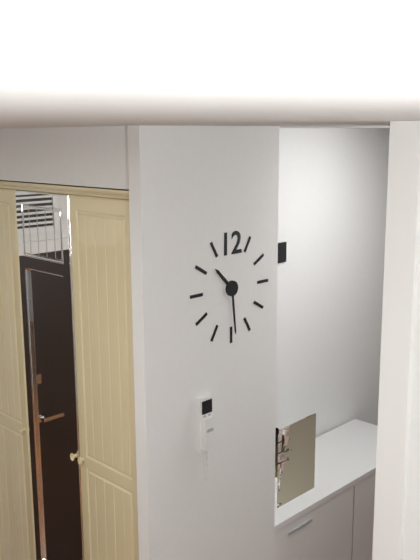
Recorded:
10.29
